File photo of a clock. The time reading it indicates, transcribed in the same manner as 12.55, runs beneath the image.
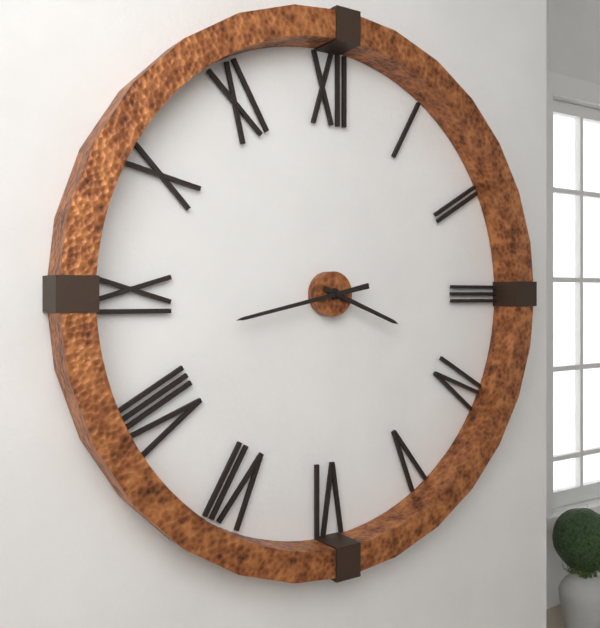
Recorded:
3.43
